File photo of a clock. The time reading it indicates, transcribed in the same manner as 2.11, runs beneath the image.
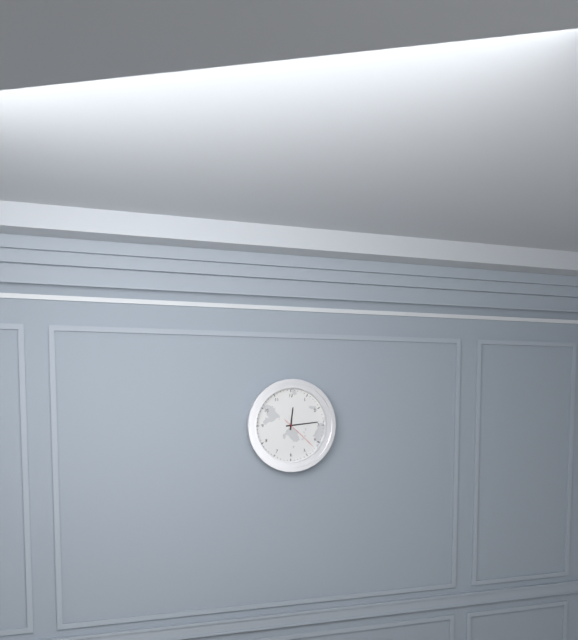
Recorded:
12.14
